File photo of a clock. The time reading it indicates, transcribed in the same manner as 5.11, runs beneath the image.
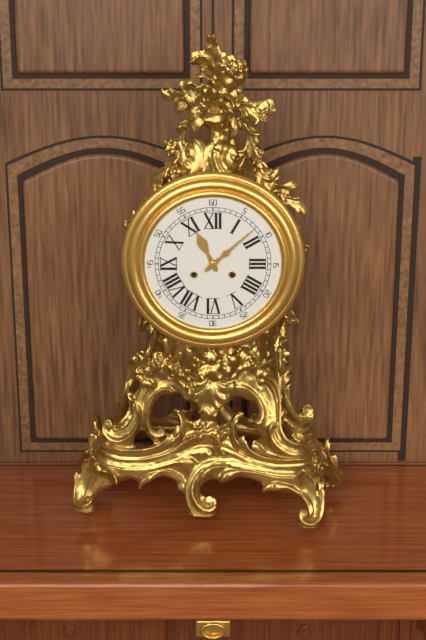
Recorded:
11.08
